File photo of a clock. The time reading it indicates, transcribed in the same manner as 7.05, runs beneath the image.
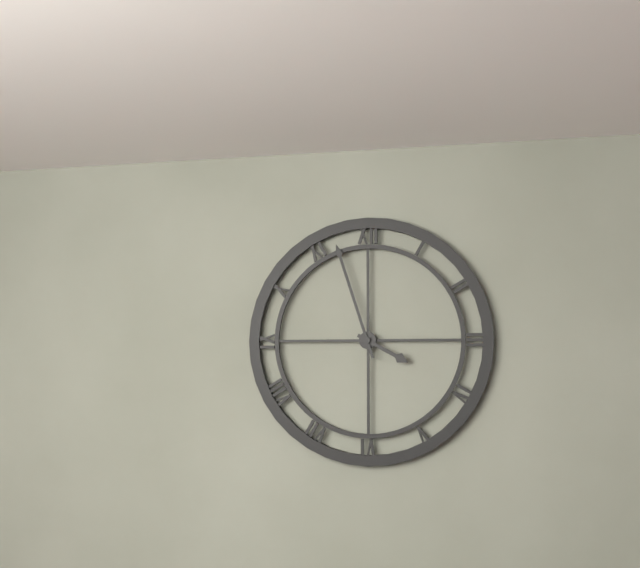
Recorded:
3.57
